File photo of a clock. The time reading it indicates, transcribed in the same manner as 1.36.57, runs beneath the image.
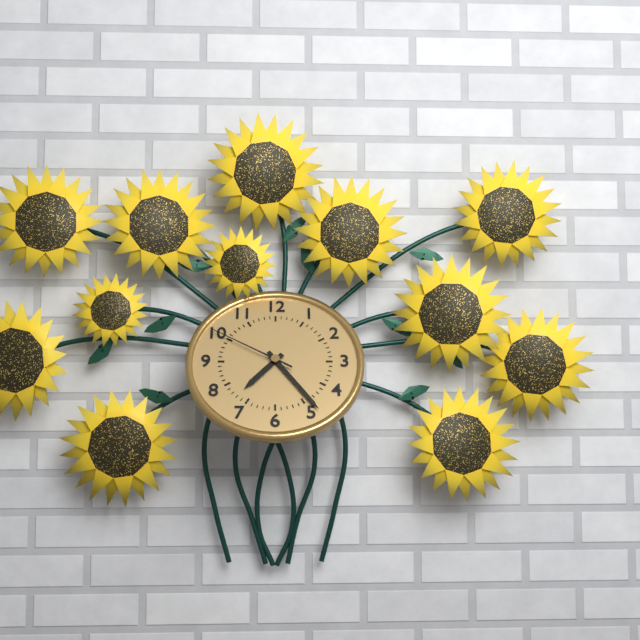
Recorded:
7.24.50
